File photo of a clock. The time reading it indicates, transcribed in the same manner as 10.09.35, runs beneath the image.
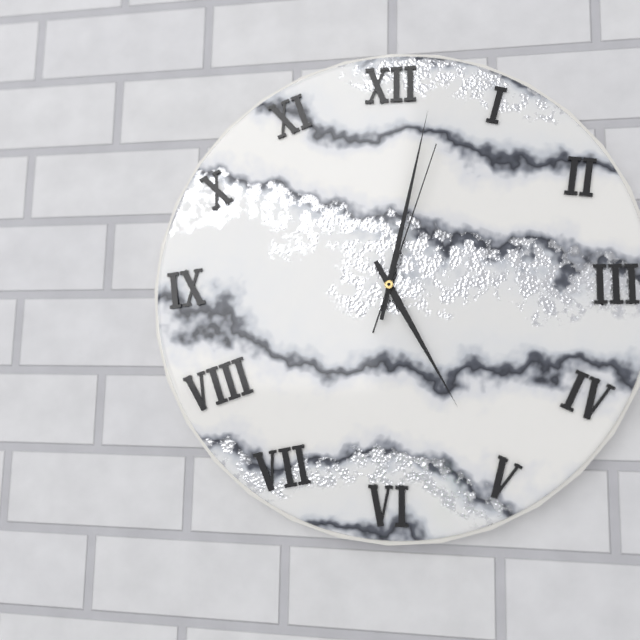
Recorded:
5.02.03
